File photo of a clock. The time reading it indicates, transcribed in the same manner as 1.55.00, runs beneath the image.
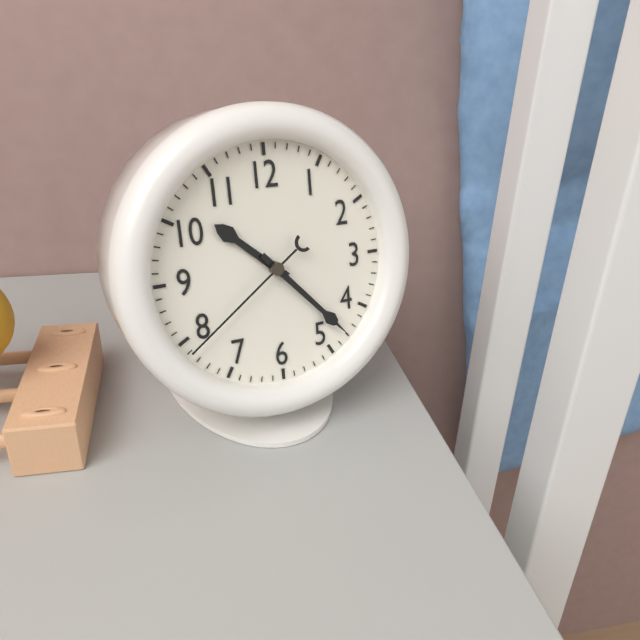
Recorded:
10.23.39
